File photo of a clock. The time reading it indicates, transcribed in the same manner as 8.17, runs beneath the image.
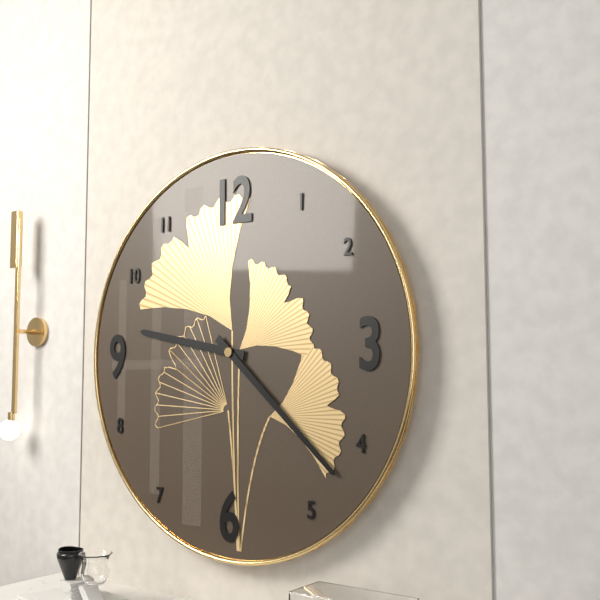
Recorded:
9.22
